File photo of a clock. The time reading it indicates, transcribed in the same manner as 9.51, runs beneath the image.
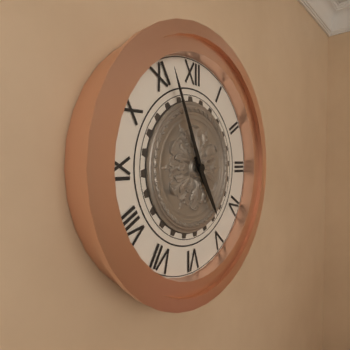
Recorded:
4.56
